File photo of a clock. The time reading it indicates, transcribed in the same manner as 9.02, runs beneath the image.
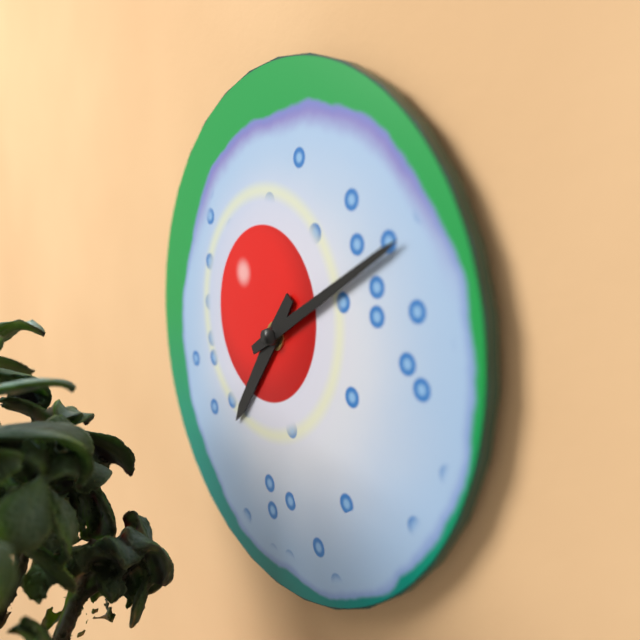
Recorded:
7.10
